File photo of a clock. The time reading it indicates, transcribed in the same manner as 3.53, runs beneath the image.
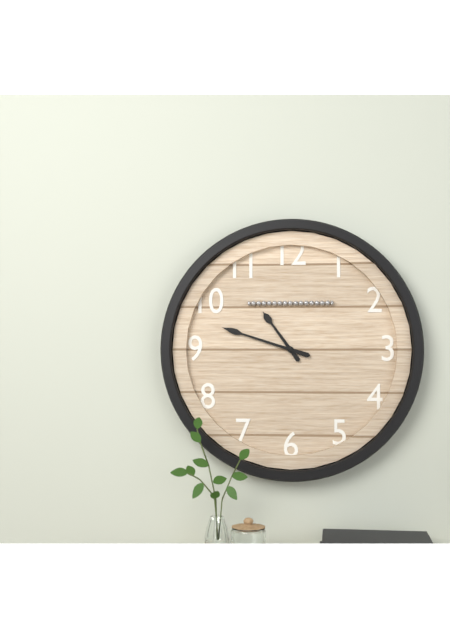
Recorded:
10.48
